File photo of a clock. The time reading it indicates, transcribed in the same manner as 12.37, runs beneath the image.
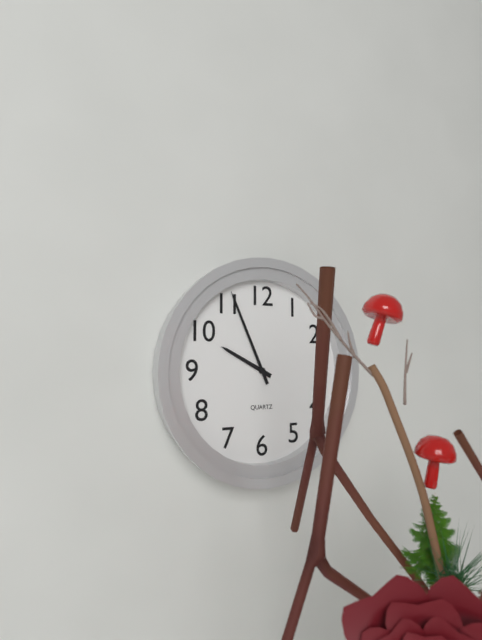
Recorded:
9.56
